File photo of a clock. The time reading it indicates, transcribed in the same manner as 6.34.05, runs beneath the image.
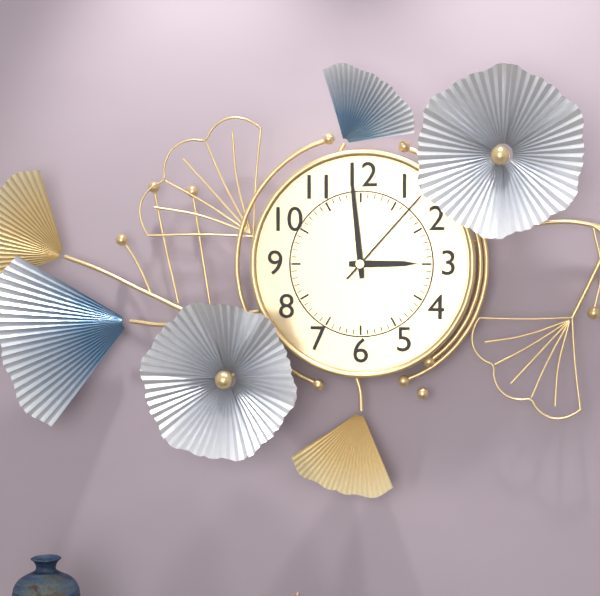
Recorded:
2.59.07
